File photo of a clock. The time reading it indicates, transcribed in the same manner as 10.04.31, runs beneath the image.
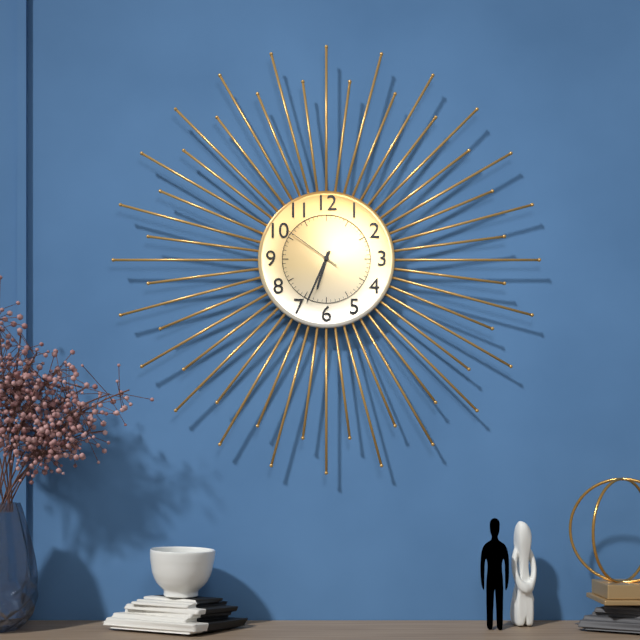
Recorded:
6.34.51
